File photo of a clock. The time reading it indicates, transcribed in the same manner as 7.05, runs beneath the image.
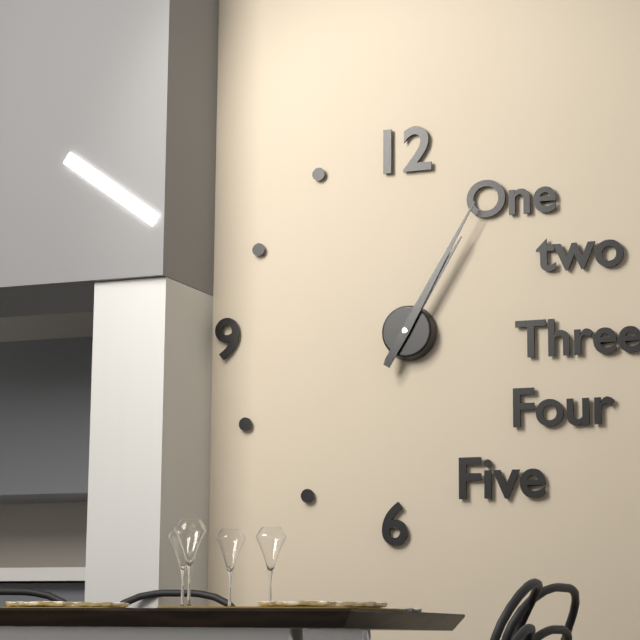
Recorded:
1.05
